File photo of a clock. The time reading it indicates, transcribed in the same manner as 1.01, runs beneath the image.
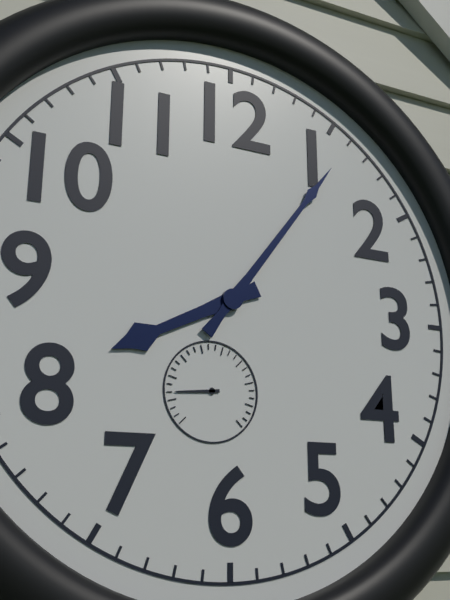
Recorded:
8.06
